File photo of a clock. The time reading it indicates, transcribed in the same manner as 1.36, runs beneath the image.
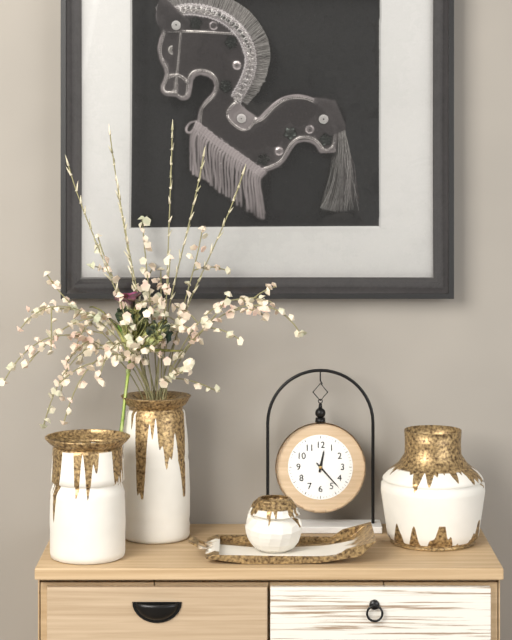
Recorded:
12.23
